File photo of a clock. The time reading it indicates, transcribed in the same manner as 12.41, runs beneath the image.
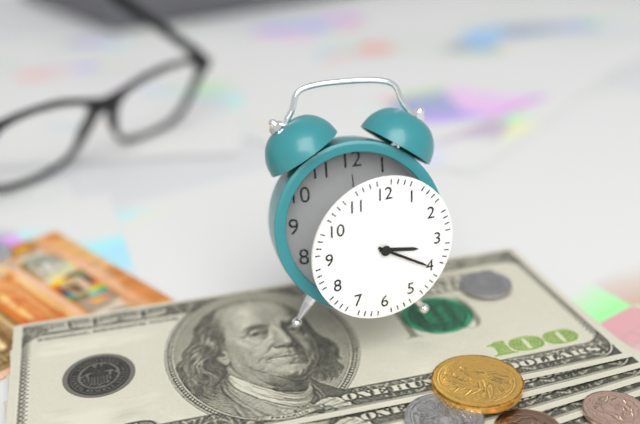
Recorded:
3.20
